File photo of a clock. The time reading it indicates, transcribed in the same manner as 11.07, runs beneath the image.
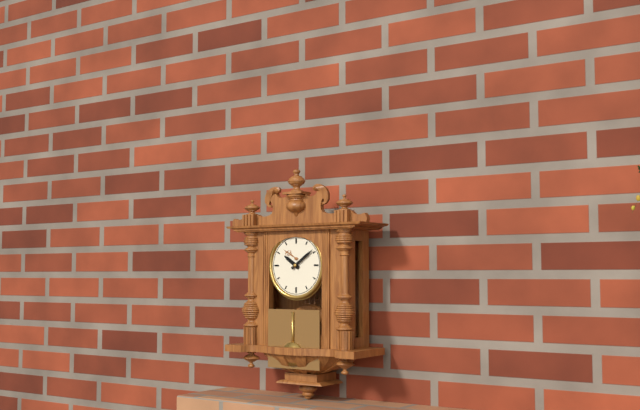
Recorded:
10.09
